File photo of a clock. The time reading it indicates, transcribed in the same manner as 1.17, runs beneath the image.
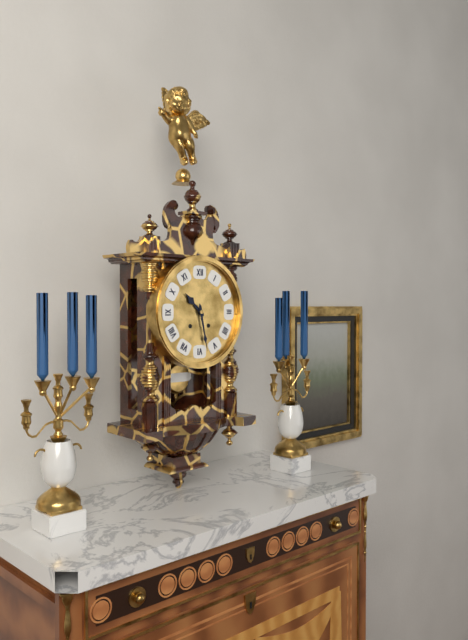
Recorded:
10.28
